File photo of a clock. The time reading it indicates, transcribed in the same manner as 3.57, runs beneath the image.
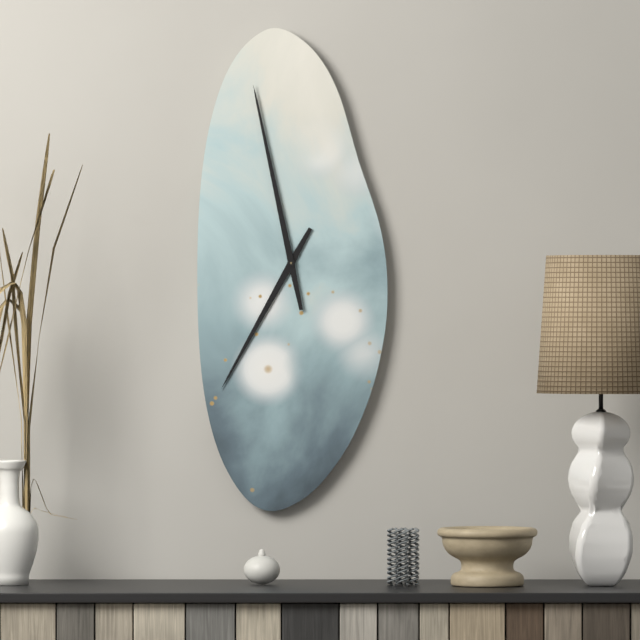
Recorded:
6.58
